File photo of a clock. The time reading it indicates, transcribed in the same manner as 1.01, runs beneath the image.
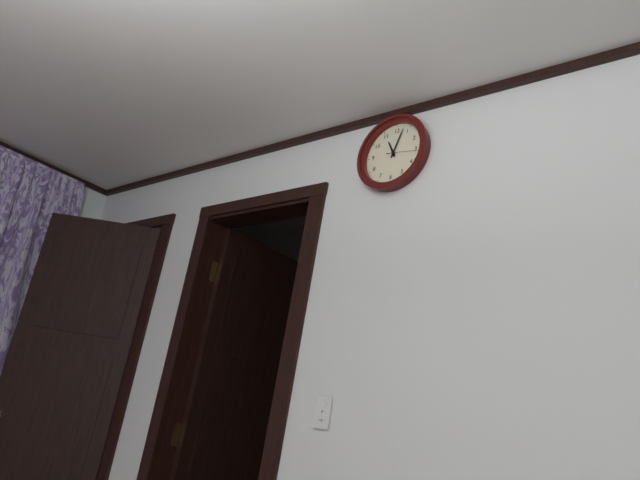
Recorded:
11.03
